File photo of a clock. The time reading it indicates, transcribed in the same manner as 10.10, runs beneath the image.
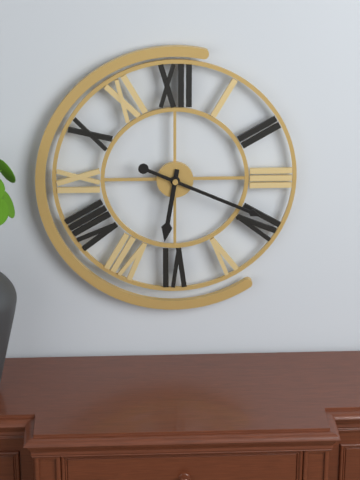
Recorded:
6.19
